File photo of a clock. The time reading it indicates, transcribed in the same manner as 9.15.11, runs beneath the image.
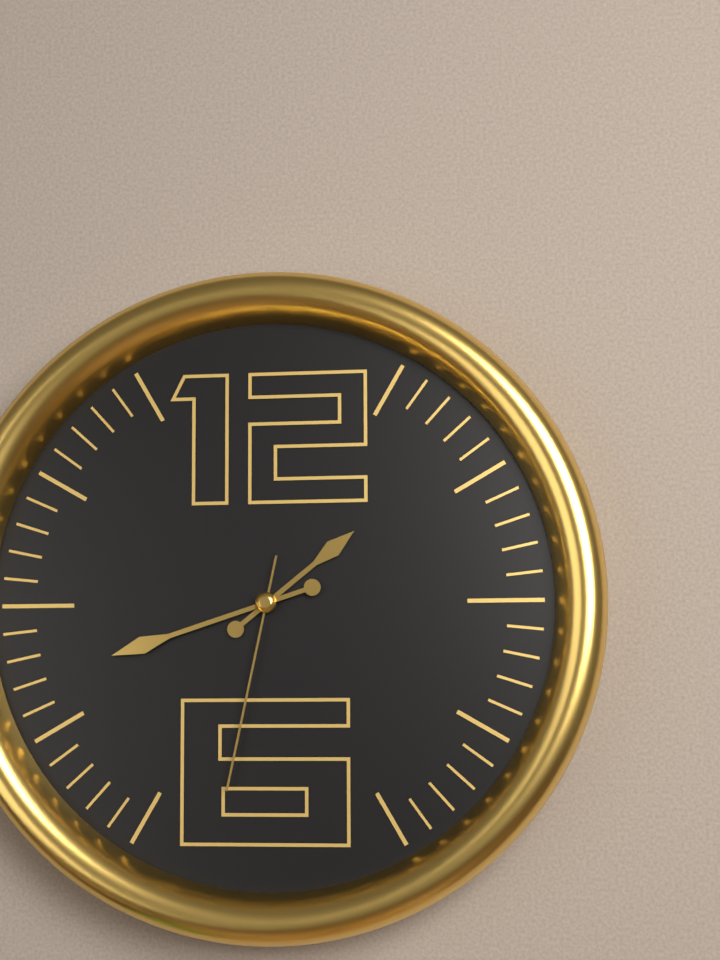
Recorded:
1.42.32
